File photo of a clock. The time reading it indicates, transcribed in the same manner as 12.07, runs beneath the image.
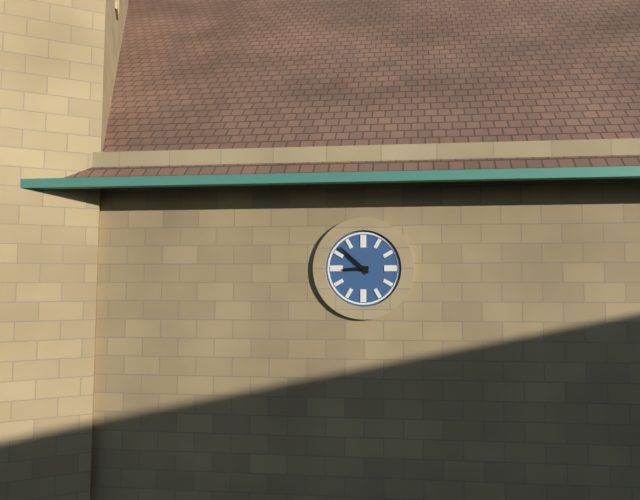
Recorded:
8.52
